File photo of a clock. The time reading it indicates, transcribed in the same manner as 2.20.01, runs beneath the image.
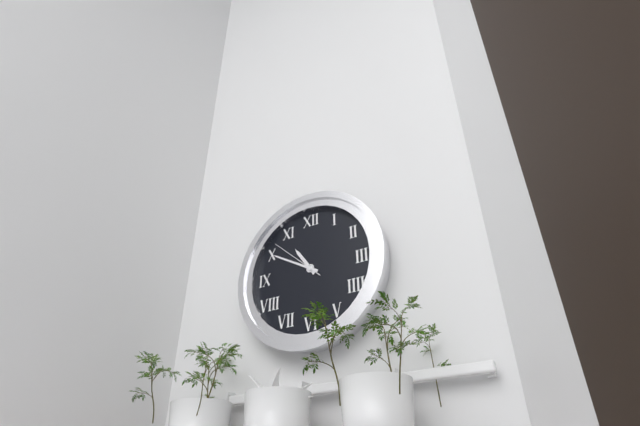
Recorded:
10.50.52
